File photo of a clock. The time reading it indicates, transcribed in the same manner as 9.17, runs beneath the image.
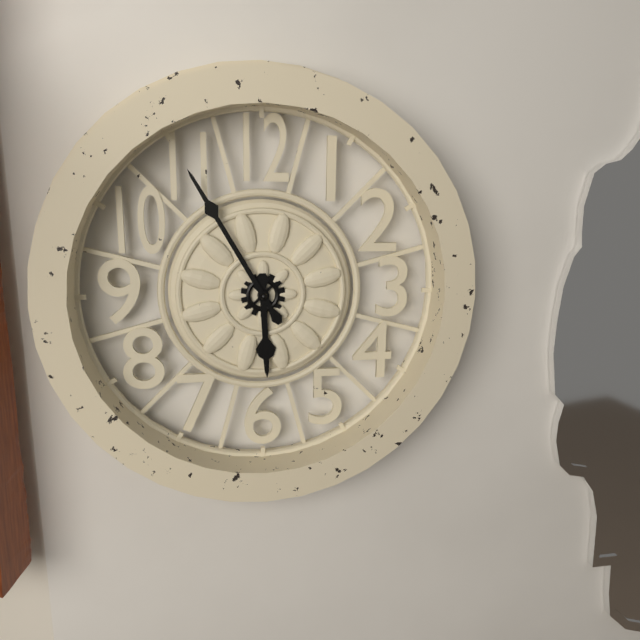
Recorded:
5.55
